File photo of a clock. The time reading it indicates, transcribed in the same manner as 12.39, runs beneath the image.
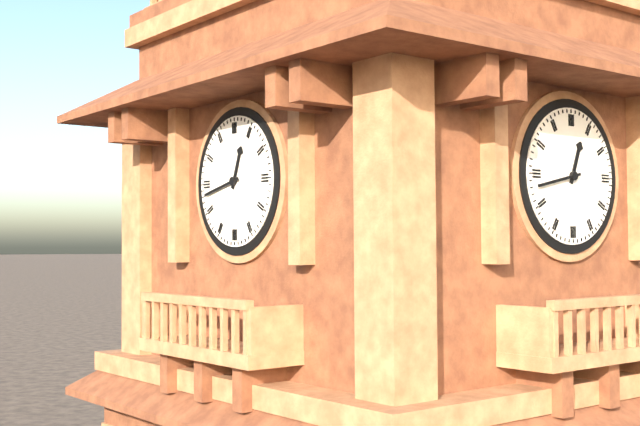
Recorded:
12.43
